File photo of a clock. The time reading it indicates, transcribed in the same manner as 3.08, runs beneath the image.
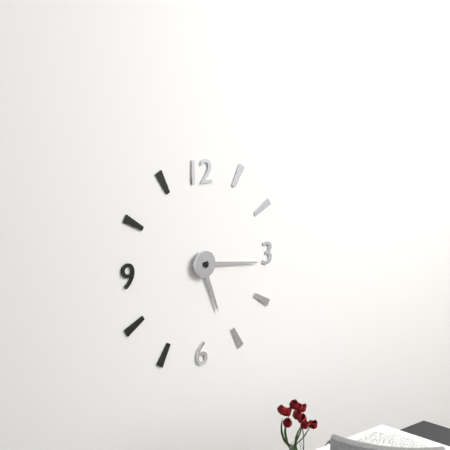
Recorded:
5.16
